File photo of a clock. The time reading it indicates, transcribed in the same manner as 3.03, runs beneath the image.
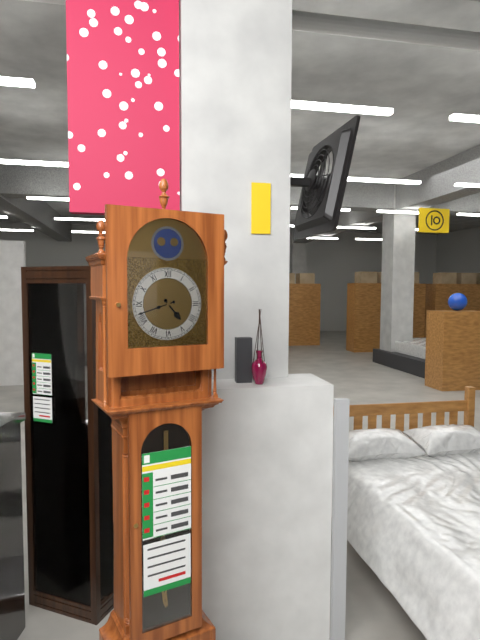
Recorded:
4.42
